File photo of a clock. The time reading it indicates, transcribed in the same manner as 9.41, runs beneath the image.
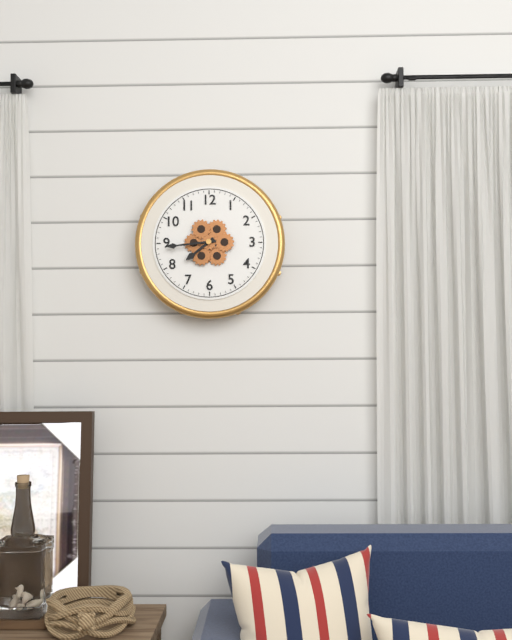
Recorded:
7.44
